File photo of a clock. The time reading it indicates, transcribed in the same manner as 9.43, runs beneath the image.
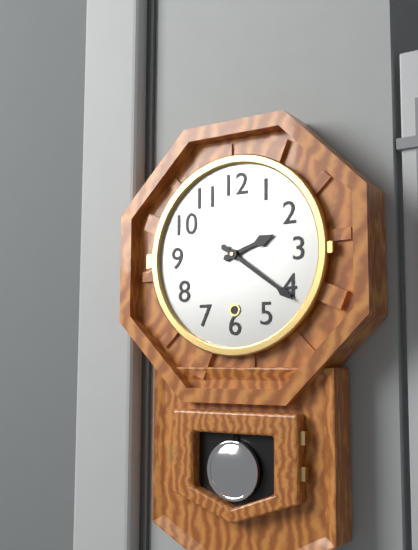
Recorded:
2.21
